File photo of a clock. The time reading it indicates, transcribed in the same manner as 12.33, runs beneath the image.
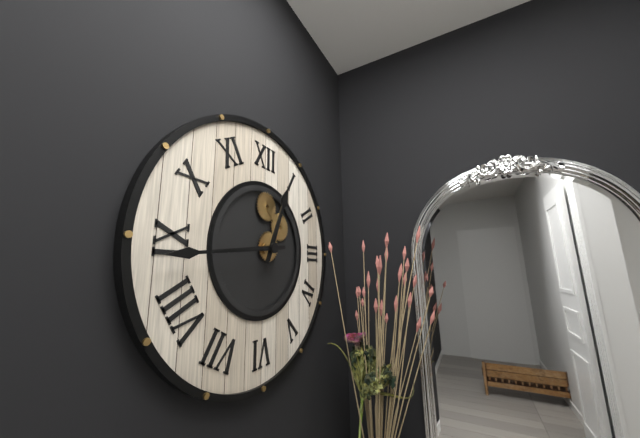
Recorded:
12.44
